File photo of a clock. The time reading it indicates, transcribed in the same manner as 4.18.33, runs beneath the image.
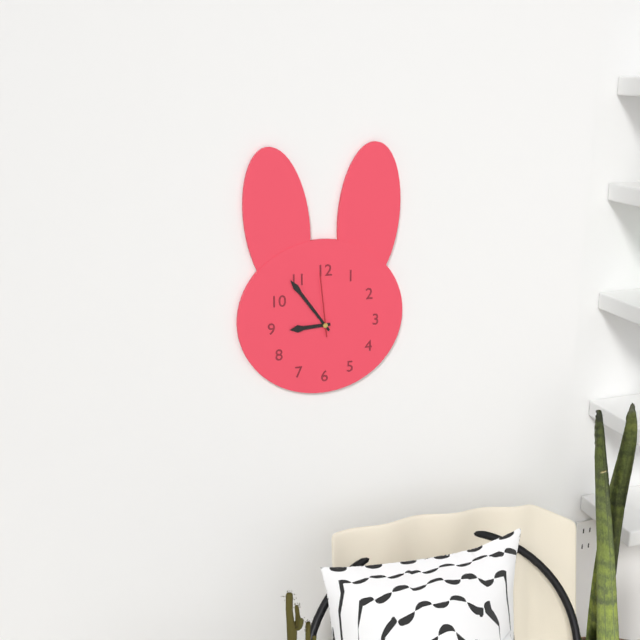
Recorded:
8.54.59
